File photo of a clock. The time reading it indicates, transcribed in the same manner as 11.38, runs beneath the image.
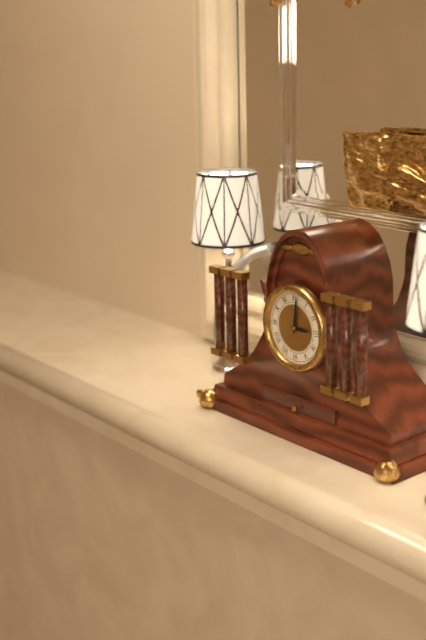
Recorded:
3.01
